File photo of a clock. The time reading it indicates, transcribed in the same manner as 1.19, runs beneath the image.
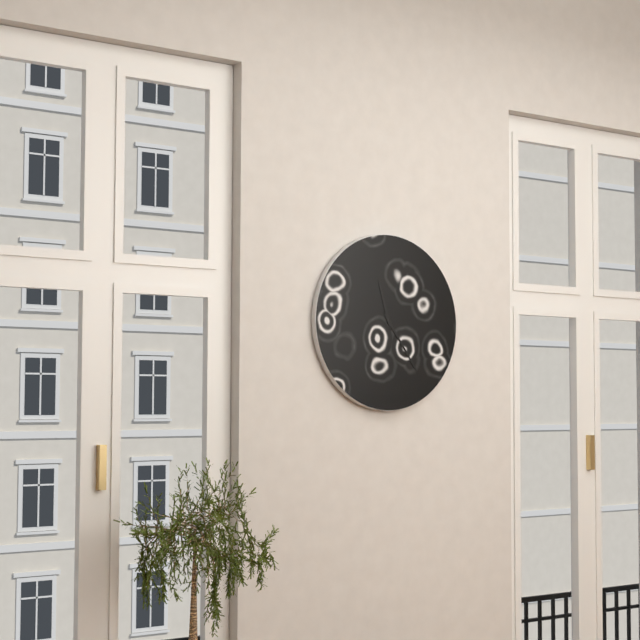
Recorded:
11.24
